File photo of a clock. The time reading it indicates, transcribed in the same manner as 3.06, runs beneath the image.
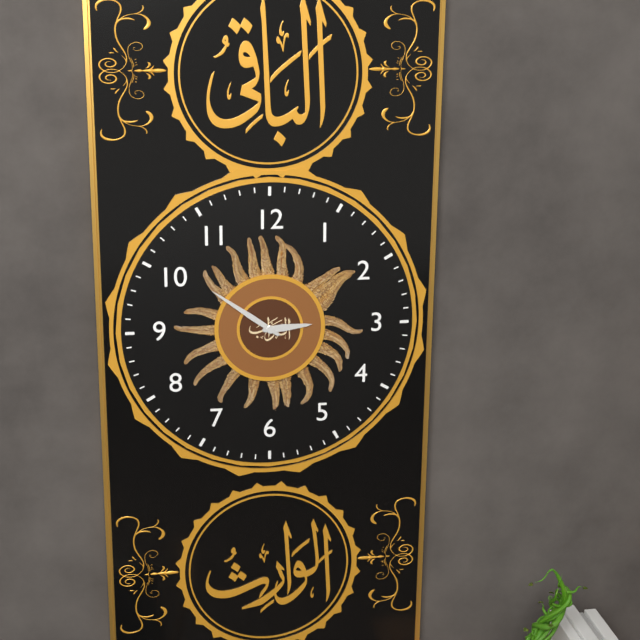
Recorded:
2.51
